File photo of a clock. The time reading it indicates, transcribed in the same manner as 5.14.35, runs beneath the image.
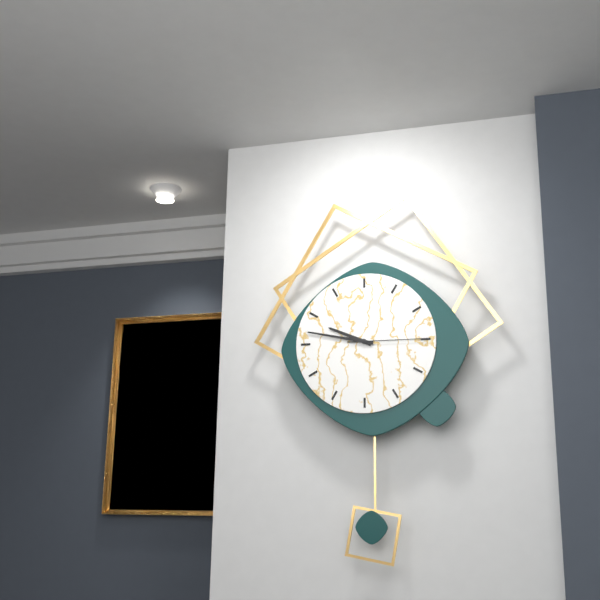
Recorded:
9.47.15
